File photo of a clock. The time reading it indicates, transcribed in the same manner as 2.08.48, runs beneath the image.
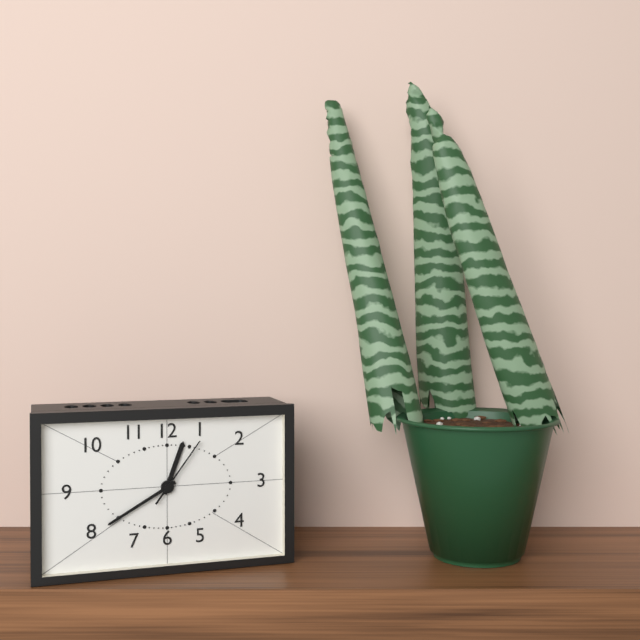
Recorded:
12.40.06
